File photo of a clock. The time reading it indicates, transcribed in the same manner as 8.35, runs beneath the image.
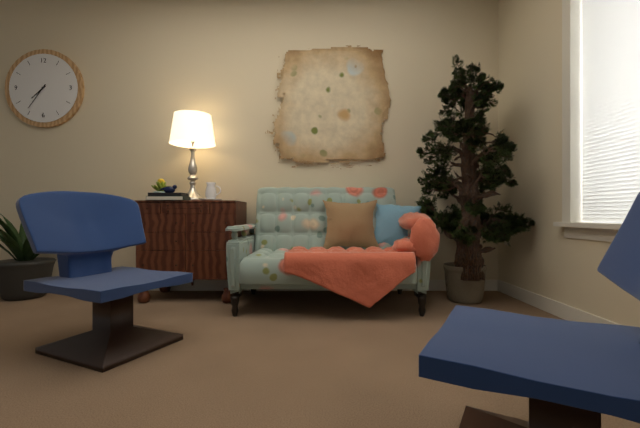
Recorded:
7.36
